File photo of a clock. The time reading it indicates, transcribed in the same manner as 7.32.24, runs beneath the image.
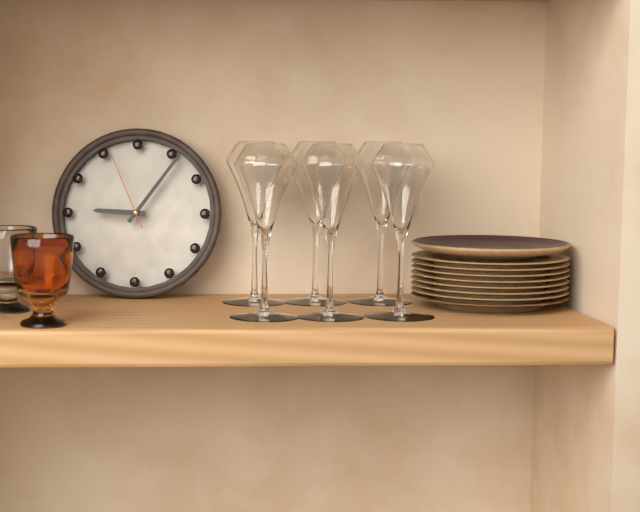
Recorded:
9.06.56
